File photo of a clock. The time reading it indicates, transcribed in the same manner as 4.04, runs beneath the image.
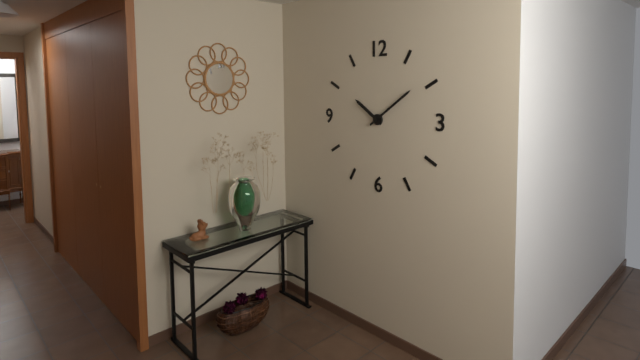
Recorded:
10.09
